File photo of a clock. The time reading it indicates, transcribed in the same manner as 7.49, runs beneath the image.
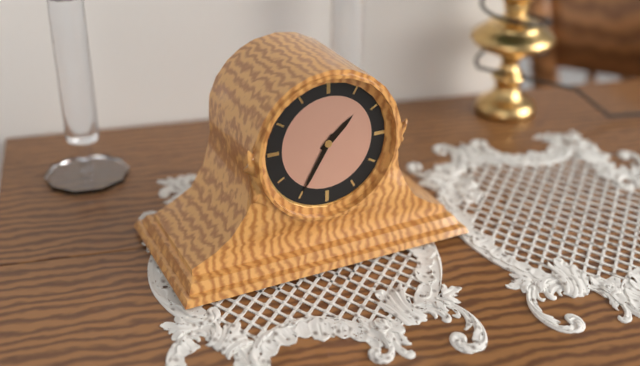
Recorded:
1.35
